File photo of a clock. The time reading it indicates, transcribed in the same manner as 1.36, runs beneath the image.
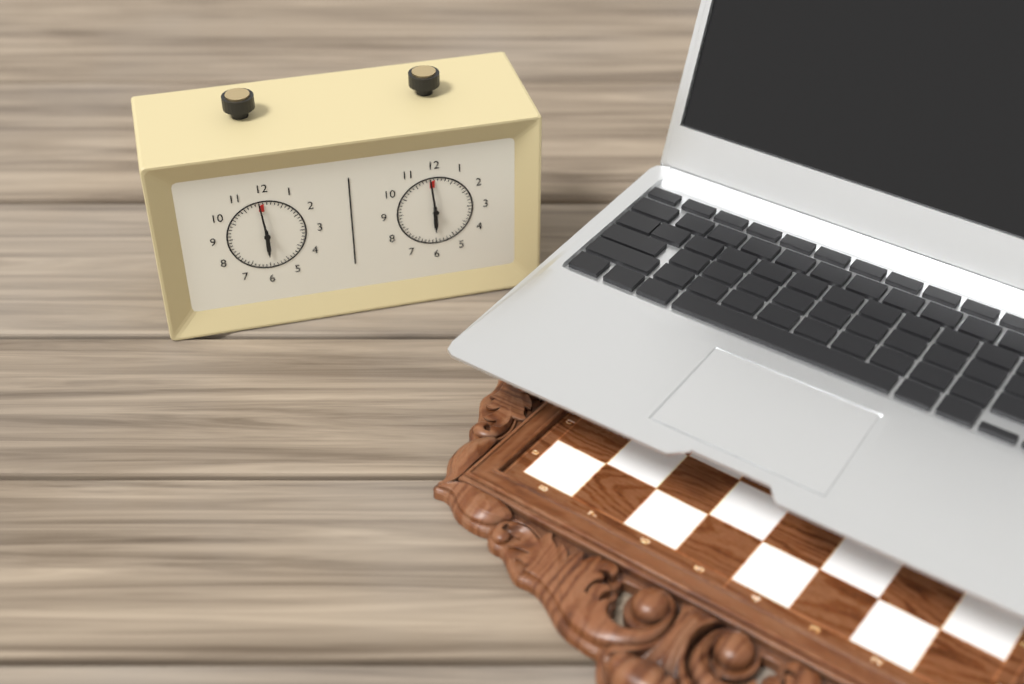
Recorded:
5.59
